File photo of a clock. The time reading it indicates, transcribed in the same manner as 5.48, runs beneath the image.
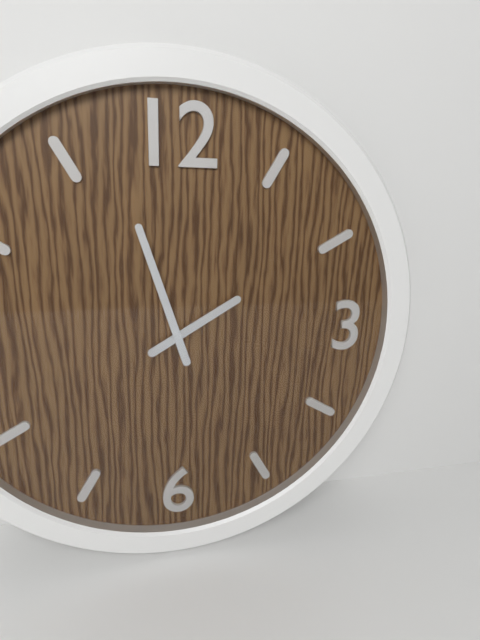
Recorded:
1.57
